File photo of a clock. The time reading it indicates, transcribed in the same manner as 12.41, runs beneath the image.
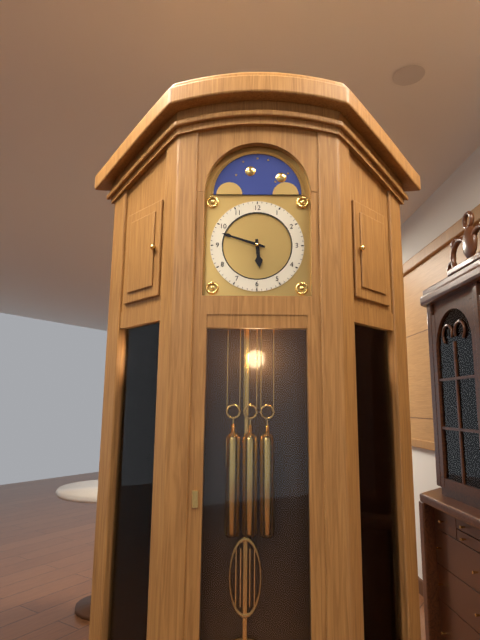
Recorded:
5.48
